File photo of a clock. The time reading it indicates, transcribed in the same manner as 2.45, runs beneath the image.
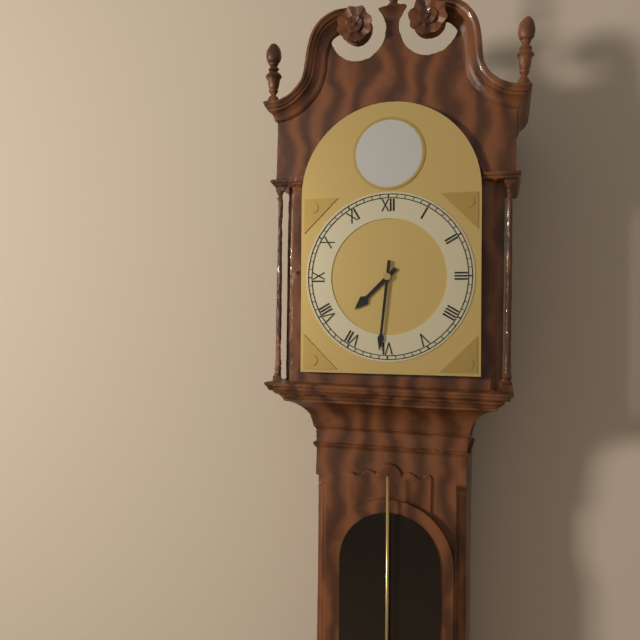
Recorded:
7.31
